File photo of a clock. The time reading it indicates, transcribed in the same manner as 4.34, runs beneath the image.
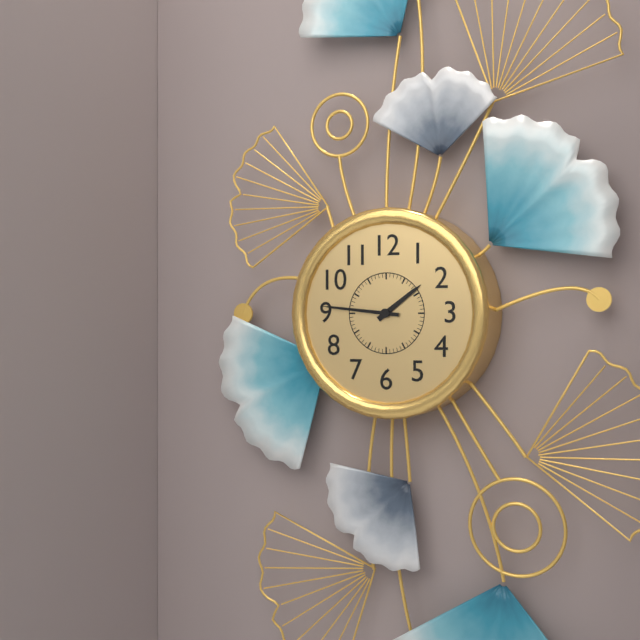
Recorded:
1.46
